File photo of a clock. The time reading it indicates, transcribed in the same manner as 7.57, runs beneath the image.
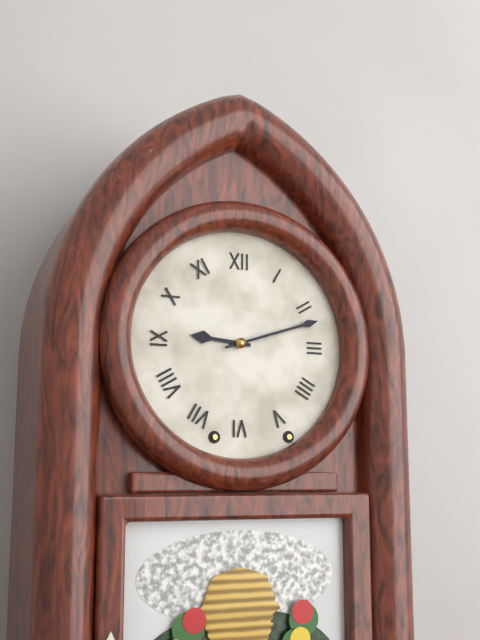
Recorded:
9.12
